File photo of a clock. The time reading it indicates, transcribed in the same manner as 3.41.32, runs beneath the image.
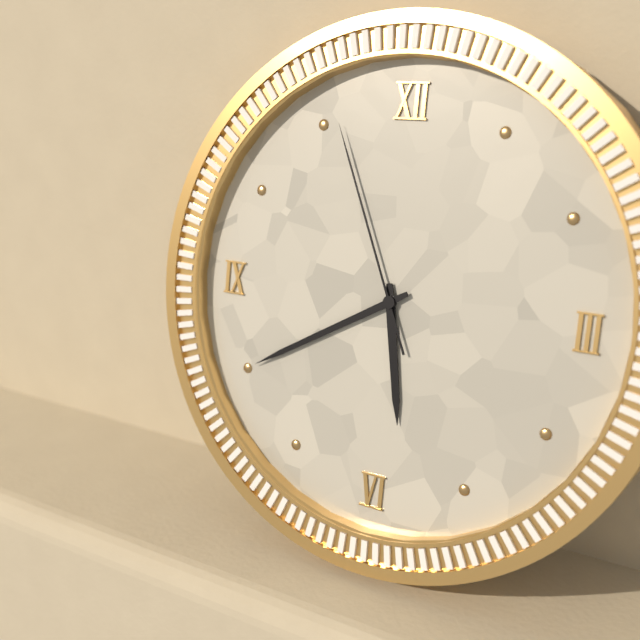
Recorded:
5.40.56
